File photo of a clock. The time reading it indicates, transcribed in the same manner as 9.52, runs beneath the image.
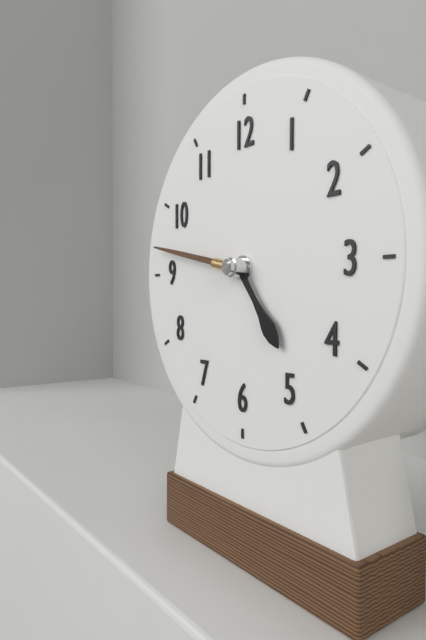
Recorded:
4.47
